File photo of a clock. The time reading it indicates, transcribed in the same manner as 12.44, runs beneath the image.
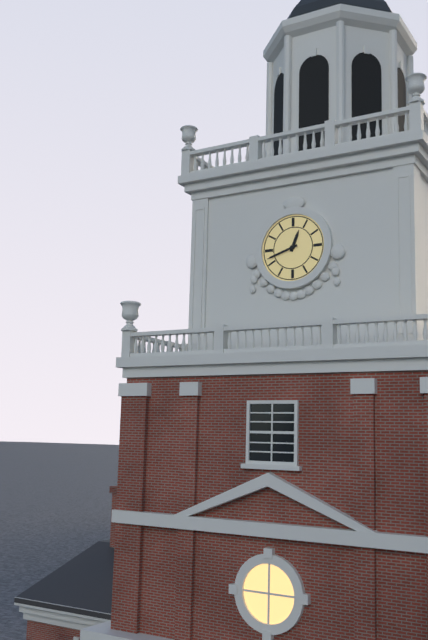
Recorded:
12.42
